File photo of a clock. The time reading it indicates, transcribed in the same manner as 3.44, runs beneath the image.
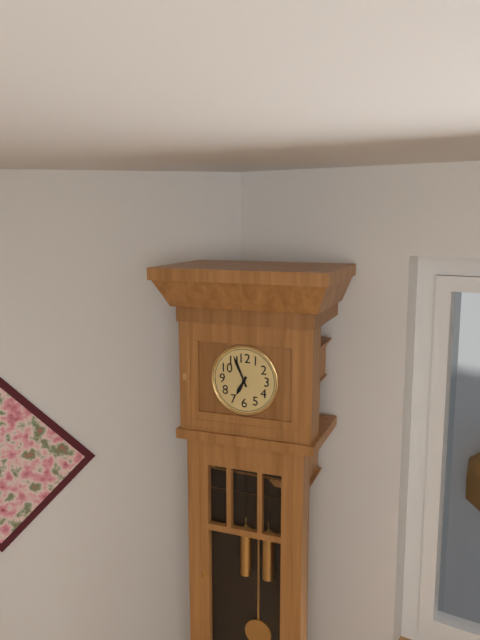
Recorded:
6.56
